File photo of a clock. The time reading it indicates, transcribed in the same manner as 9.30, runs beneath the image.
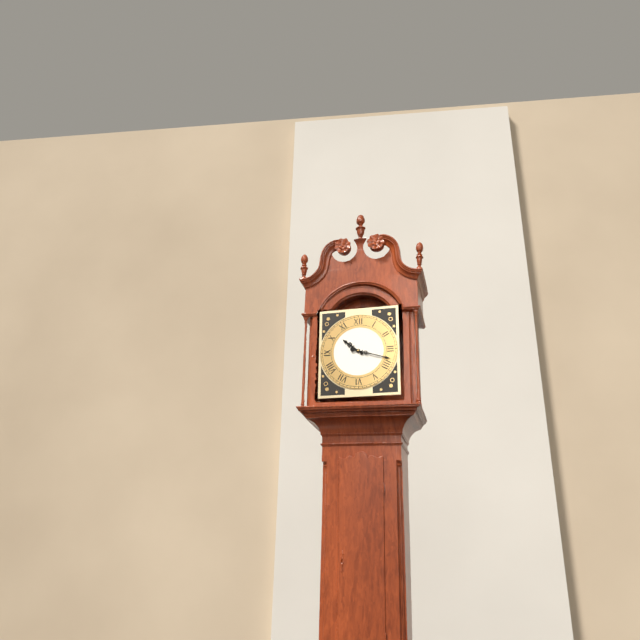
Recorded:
10.18
